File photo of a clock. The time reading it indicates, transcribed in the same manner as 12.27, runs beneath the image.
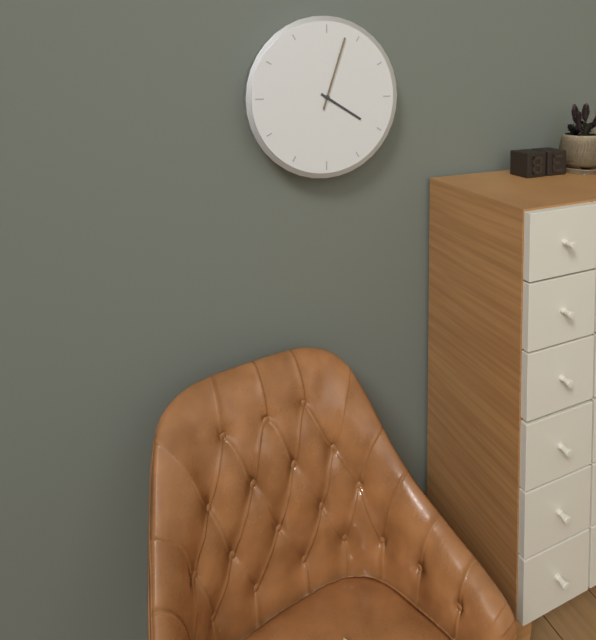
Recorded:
4.03
